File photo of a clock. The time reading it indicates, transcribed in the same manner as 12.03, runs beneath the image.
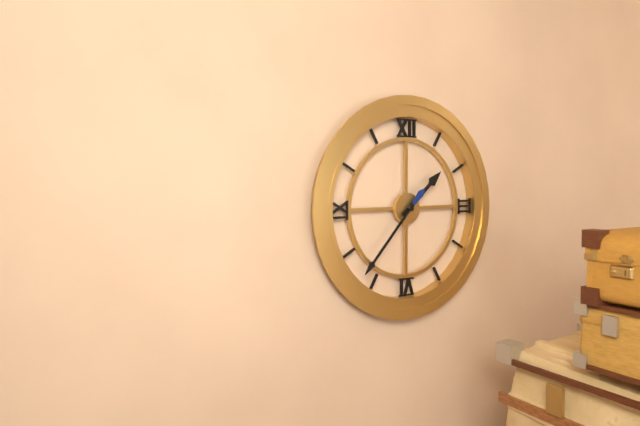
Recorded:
1.37
